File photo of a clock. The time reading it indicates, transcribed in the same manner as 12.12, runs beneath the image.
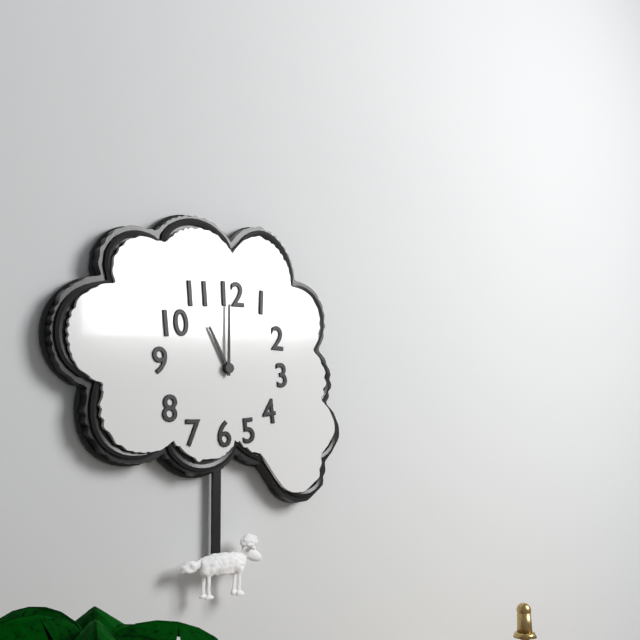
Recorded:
11.00
